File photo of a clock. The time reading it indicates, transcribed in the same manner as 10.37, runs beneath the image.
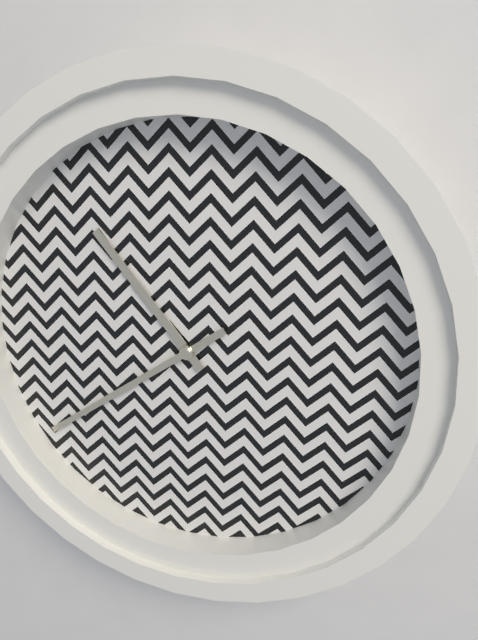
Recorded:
10.39
